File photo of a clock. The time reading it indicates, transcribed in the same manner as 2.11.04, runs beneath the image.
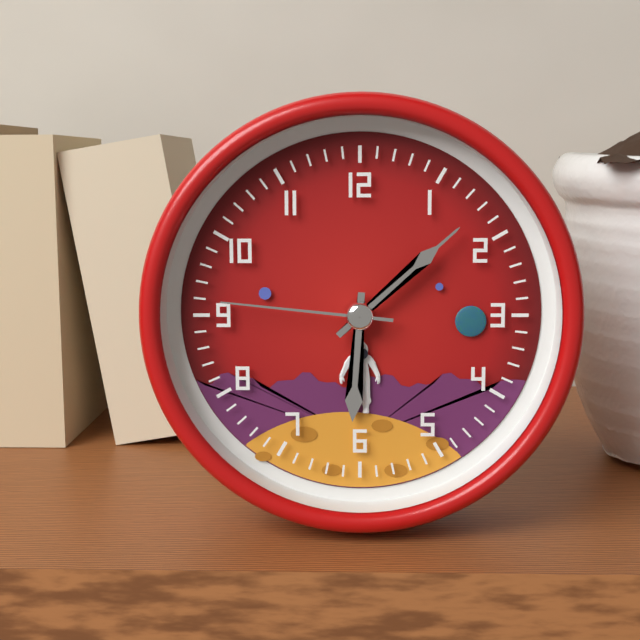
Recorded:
6.08.46
